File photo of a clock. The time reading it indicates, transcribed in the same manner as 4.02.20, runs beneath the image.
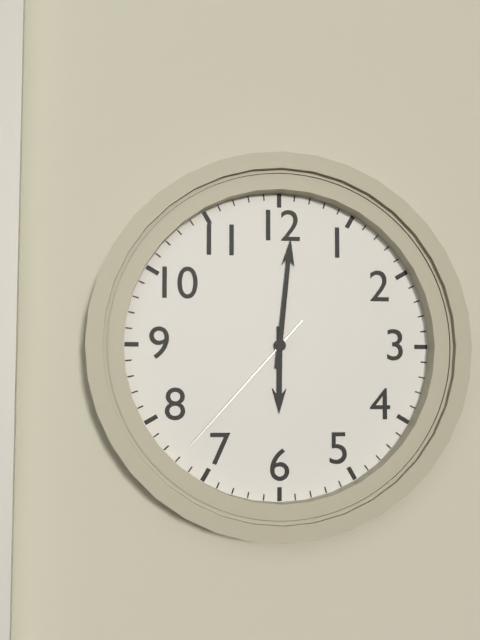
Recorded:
6.01.37
